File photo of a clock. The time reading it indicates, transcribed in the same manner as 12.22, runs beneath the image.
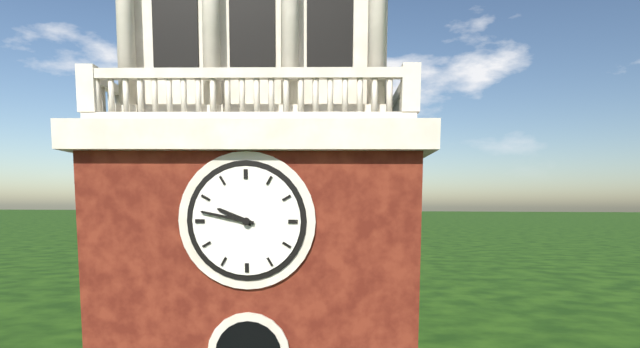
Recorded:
9.47
